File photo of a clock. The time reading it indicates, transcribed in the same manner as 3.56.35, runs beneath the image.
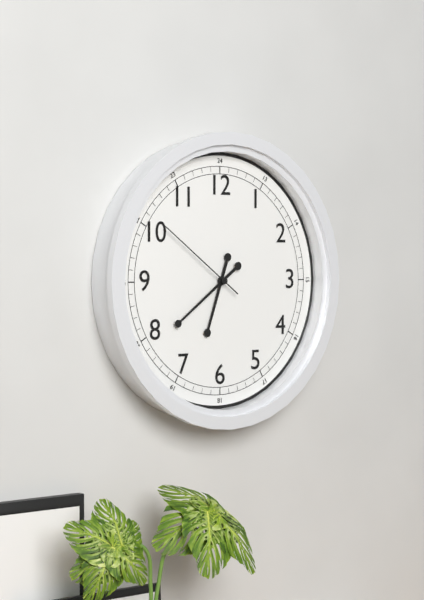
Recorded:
6.39.51
